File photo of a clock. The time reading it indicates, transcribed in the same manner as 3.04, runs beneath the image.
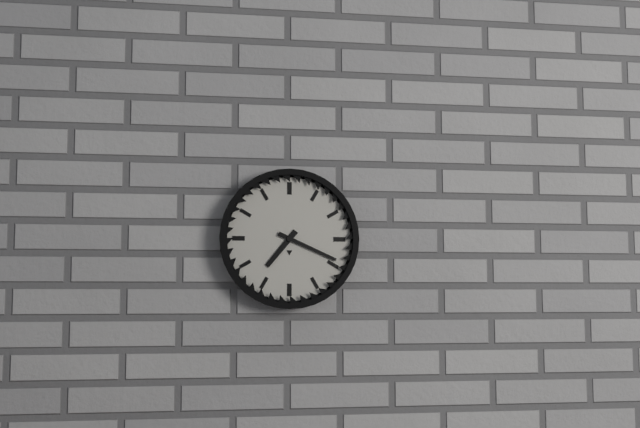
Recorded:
7.19
